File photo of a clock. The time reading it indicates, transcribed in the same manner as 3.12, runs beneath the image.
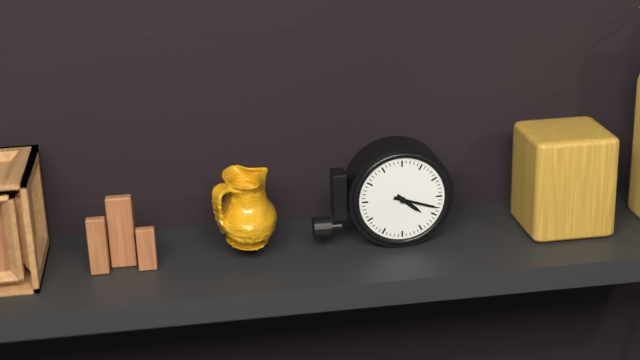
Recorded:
4.18
